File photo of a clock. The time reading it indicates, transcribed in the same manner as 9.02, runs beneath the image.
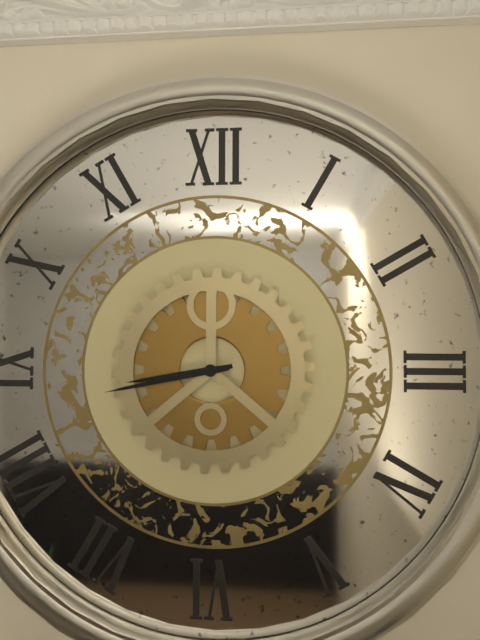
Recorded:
8.43
